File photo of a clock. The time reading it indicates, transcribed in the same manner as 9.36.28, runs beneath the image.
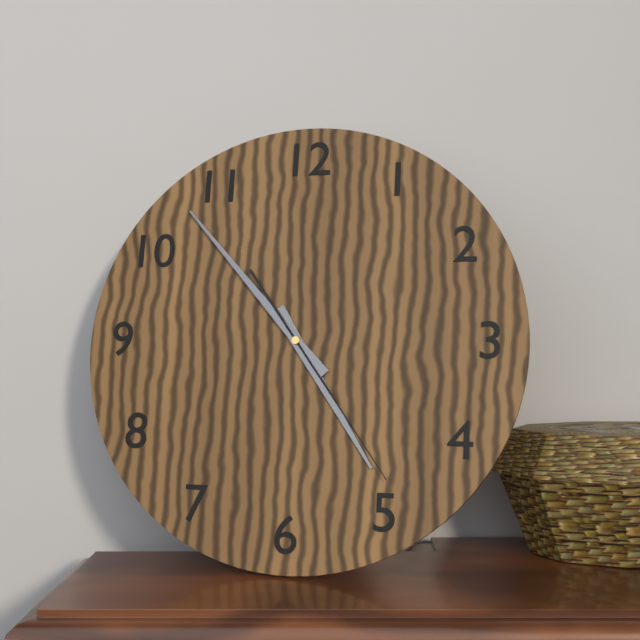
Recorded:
4.53.24
